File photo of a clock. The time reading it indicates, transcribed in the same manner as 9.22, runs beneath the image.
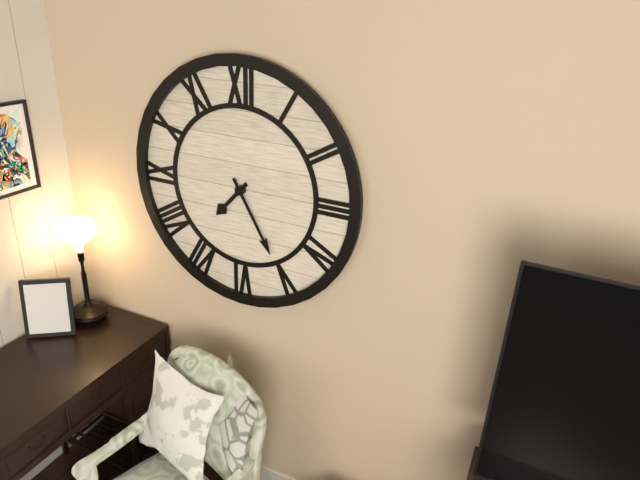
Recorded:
7.25
